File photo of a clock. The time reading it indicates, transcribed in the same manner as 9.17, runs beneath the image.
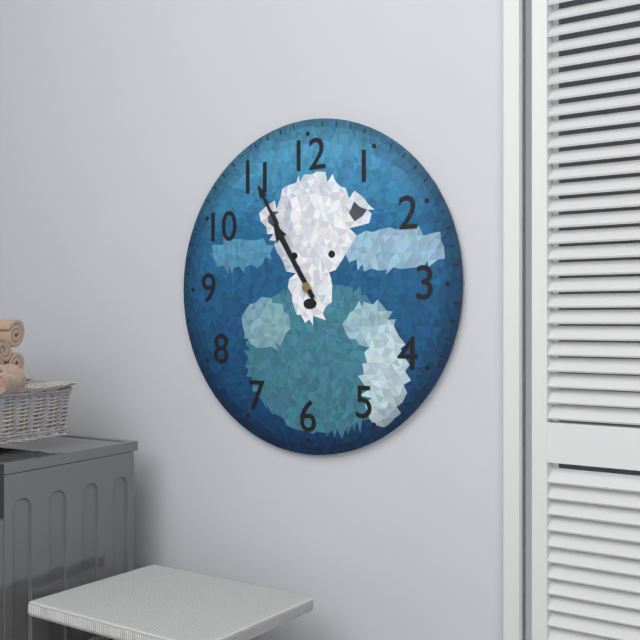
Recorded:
10.55
